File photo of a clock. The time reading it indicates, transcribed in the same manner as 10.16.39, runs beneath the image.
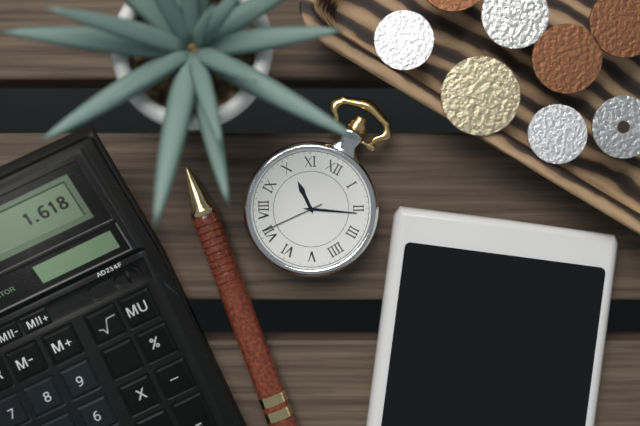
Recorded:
10.11.36
